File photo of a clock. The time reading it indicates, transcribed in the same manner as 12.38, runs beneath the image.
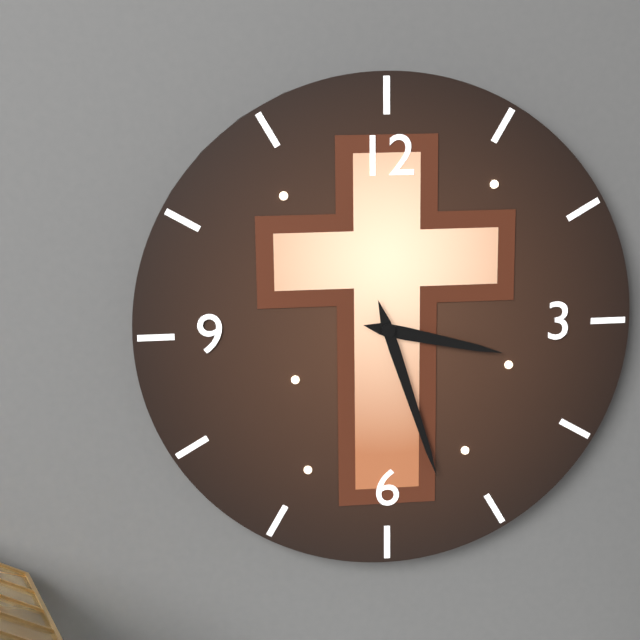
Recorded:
3.27
